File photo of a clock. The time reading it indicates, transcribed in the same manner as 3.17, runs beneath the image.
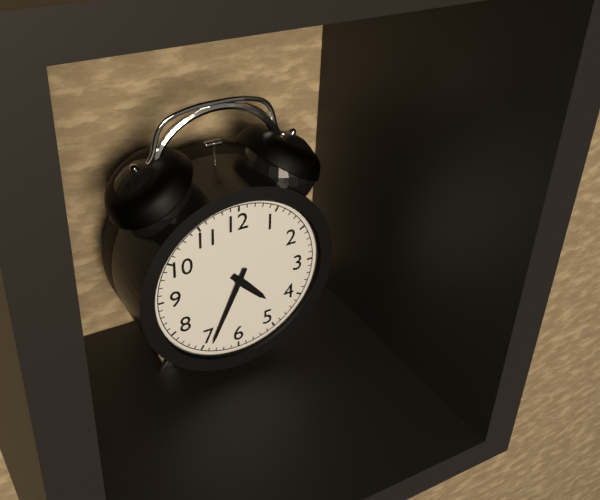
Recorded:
4.34
